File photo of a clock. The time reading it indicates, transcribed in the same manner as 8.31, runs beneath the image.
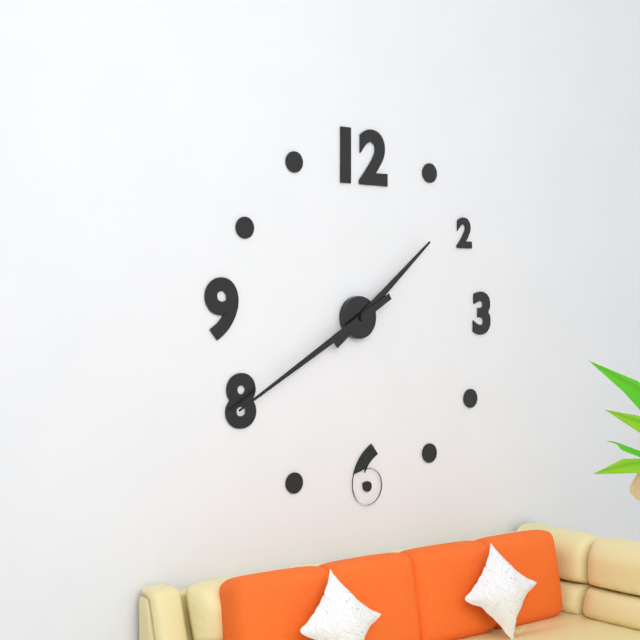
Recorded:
1.40
